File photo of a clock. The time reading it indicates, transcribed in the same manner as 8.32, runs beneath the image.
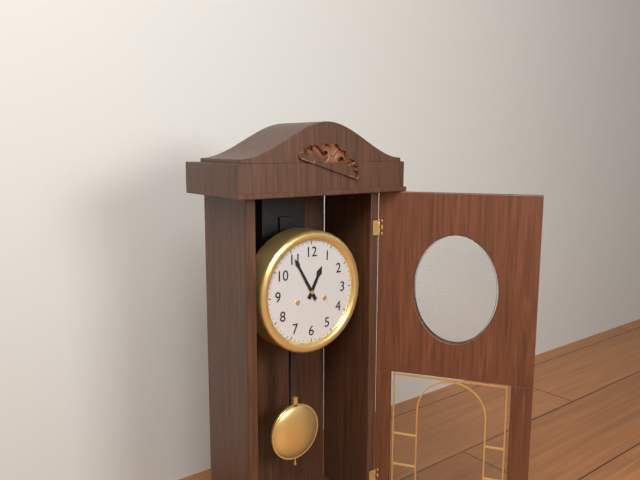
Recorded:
12.55
